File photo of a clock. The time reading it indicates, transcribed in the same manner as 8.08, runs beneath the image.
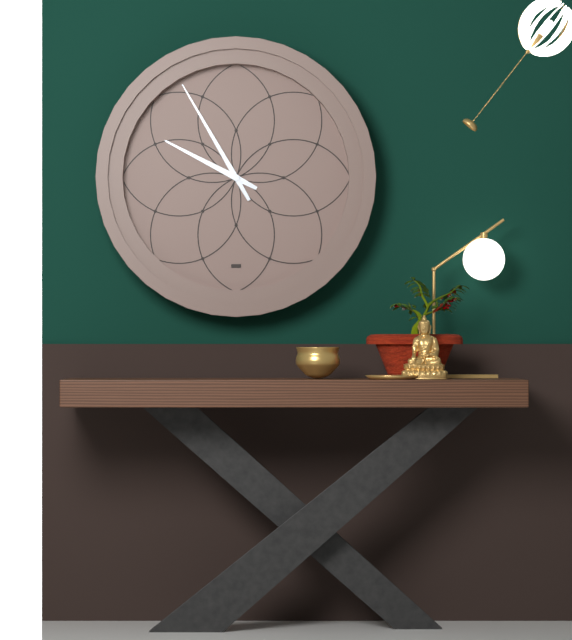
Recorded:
9.55
